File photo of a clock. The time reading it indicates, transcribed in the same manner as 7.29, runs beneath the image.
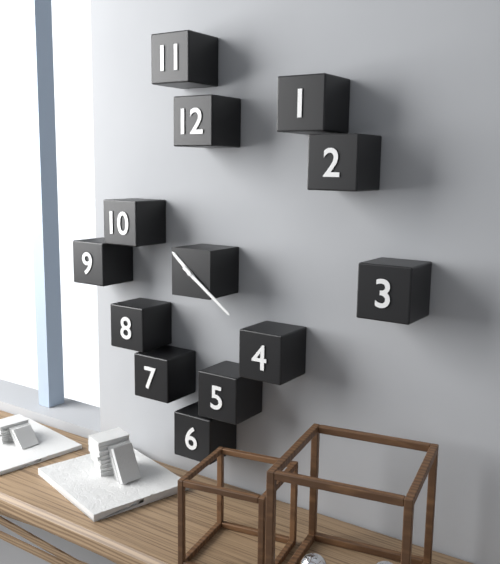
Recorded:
10.21
